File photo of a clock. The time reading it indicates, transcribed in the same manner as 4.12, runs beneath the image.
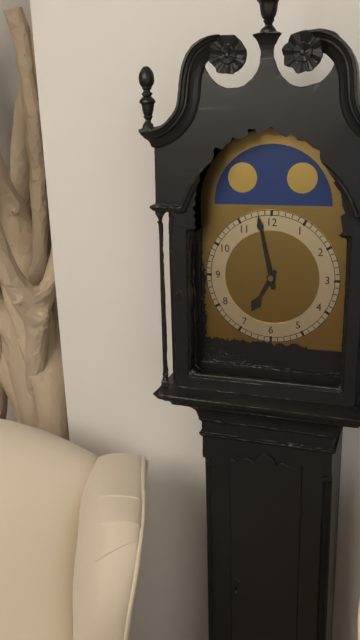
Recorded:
6.58
